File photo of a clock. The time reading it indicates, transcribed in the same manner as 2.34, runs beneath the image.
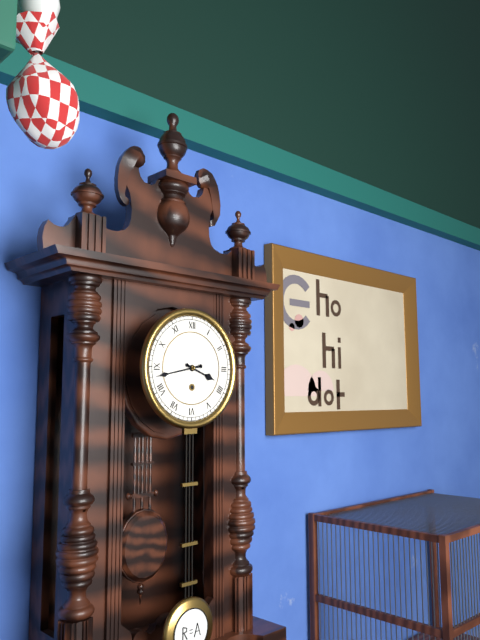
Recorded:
3.43
